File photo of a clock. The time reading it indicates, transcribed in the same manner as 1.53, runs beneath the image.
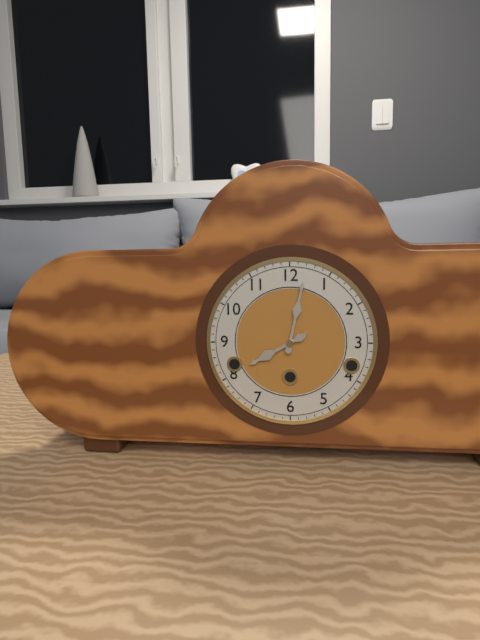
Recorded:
8.02
